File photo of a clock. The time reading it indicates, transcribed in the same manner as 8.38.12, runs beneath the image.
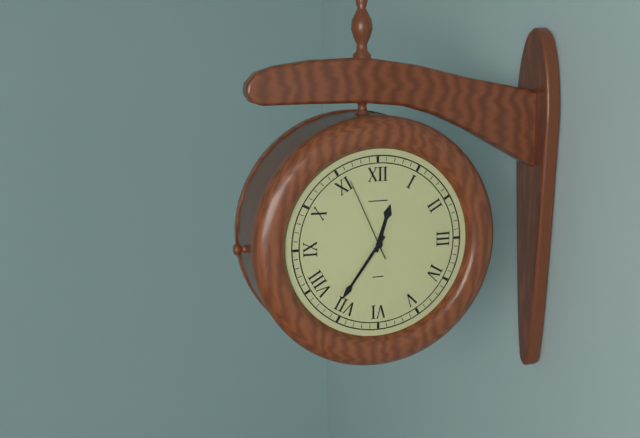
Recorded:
12.36.56
